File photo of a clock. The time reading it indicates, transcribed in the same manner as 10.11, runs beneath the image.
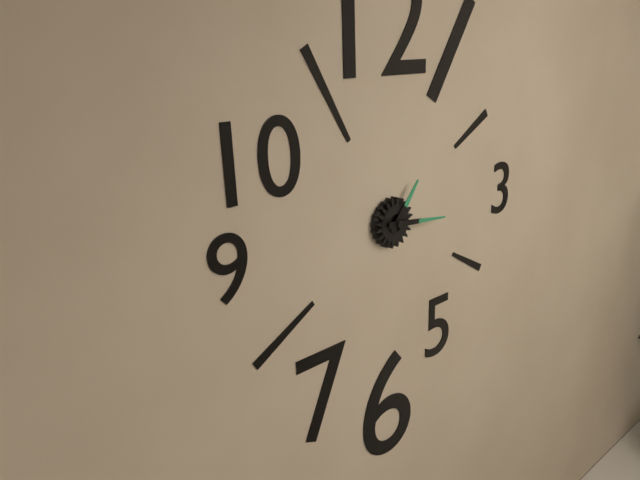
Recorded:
1.16
